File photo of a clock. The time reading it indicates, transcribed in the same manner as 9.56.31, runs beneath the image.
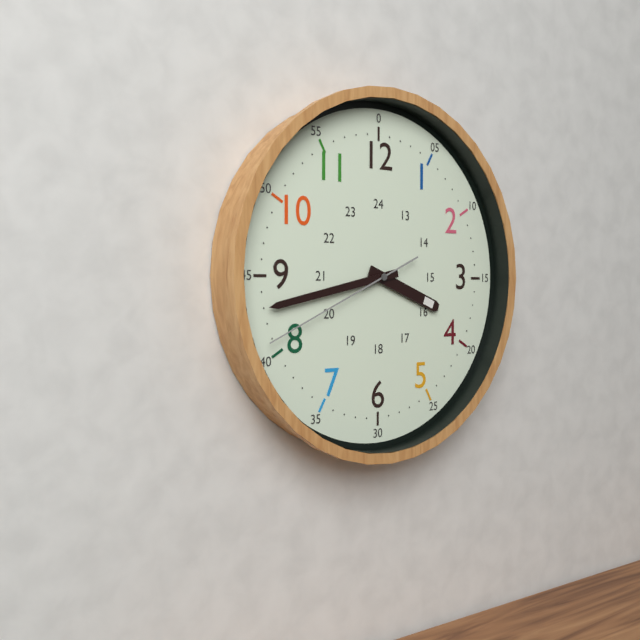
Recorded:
3.43.41
